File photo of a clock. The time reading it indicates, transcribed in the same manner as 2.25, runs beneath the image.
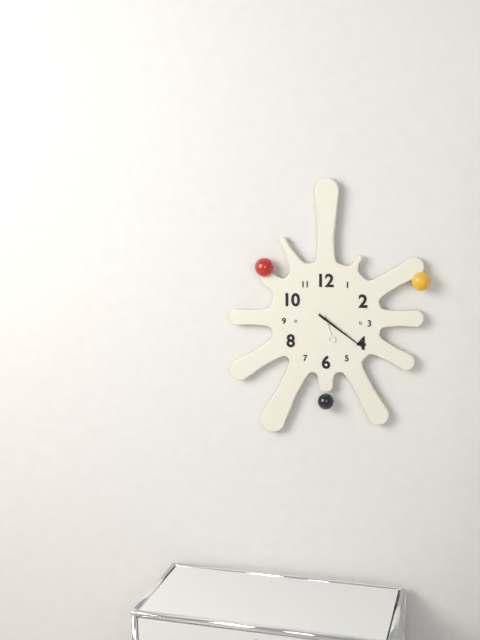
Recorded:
5.21
